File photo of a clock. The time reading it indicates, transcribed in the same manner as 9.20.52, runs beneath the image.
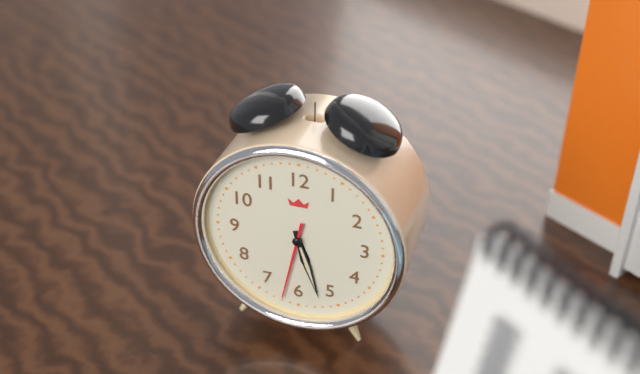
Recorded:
5.27.32
